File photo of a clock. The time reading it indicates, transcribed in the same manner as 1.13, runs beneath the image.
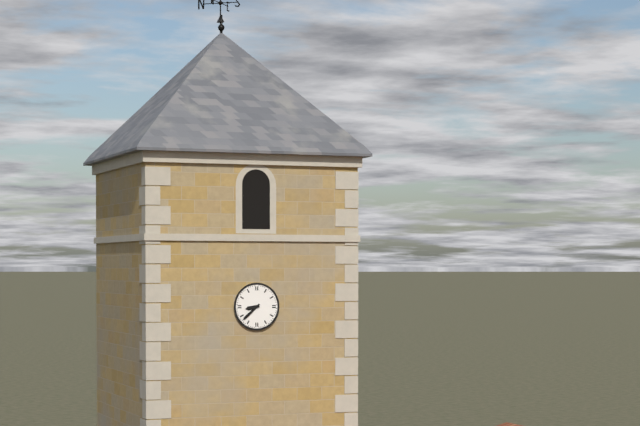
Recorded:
8.38
